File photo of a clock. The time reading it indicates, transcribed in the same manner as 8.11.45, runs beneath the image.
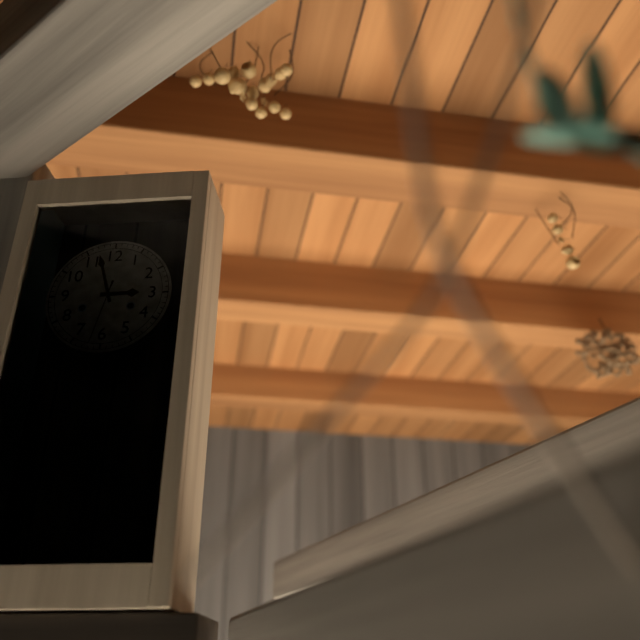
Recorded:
2.57.32
